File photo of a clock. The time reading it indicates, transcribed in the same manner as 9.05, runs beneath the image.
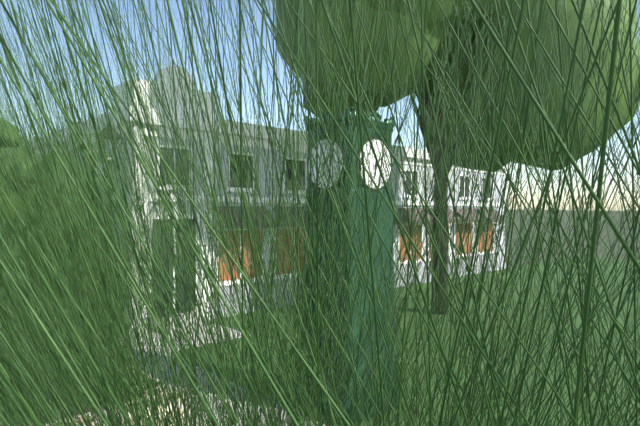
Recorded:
6.08
